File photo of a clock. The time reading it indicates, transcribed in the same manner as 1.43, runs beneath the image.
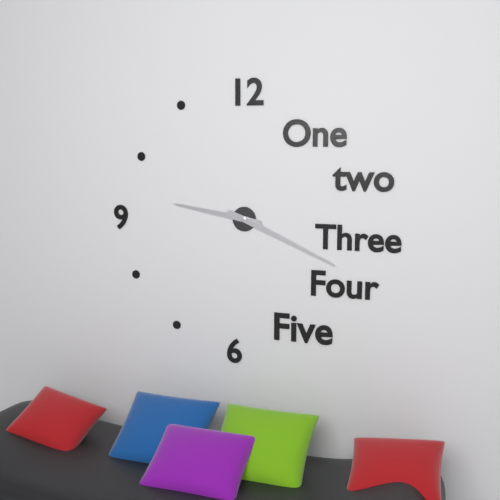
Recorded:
9.19
